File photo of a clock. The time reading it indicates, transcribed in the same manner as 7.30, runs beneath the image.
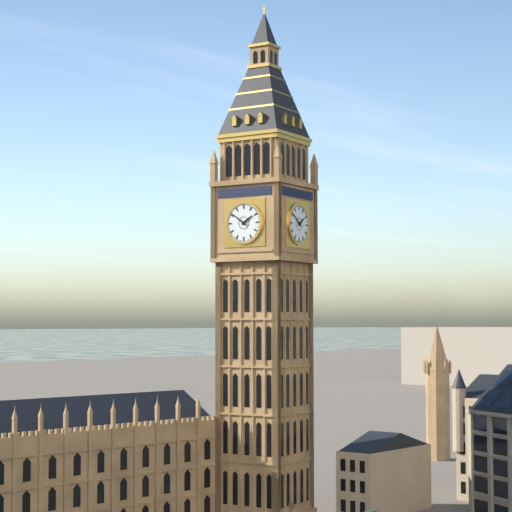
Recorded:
1.51
